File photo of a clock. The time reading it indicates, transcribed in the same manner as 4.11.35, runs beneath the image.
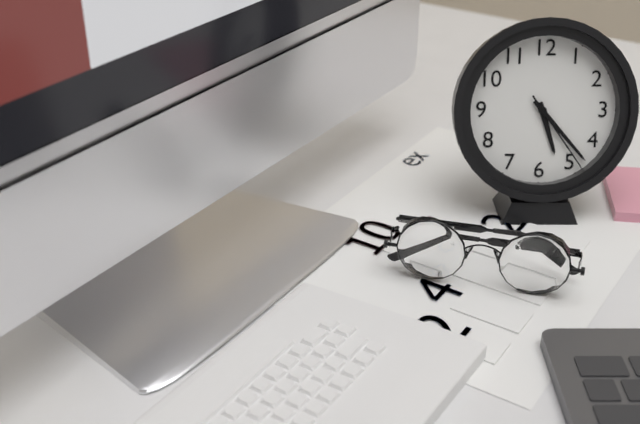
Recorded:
5.23.24
